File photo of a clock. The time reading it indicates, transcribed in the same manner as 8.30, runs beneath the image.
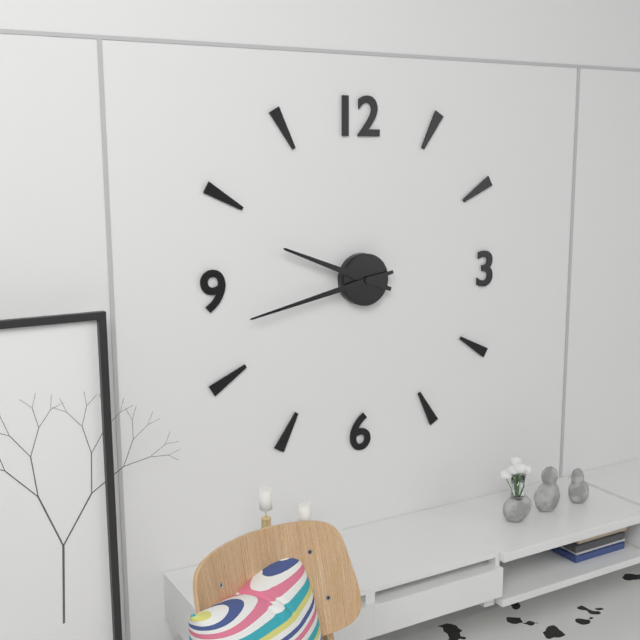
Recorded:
9.43
